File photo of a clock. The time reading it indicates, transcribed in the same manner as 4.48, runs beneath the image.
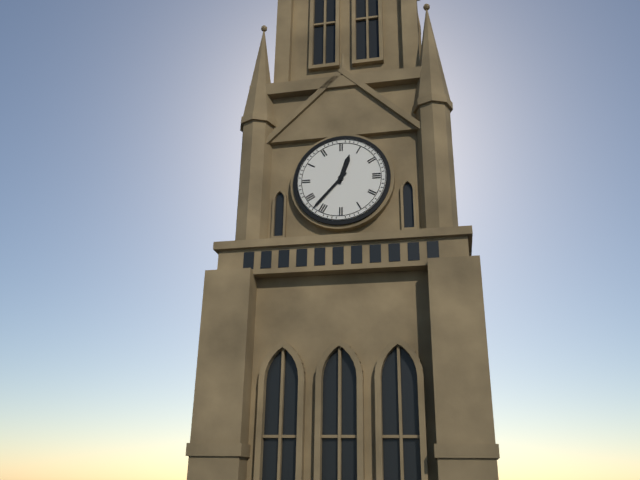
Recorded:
12.37
